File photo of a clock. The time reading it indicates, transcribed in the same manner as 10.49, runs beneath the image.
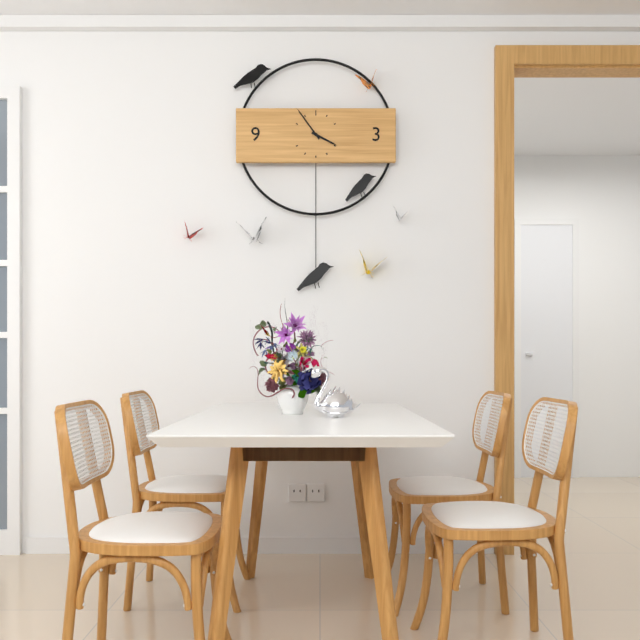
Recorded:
3.54
